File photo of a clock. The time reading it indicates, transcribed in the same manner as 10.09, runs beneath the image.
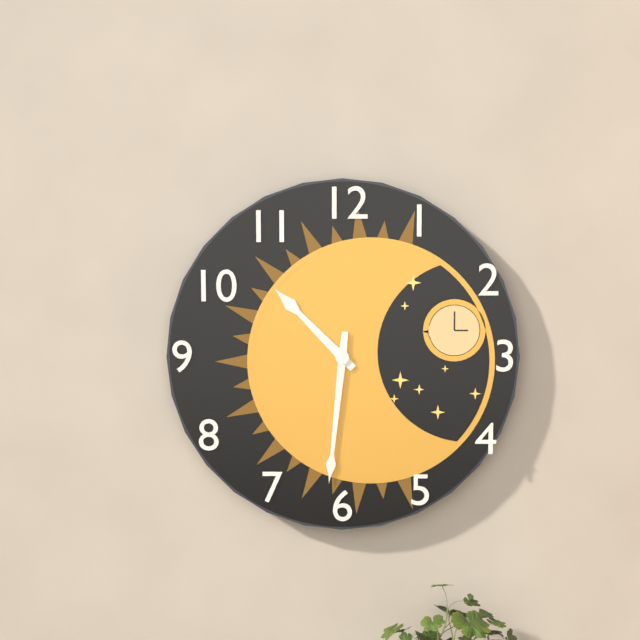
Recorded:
10.31
